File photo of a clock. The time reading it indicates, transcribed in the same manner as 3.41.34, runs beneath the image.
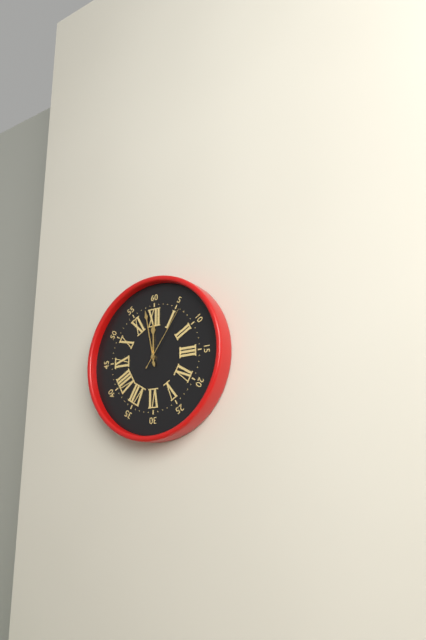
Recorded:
11.58.06
